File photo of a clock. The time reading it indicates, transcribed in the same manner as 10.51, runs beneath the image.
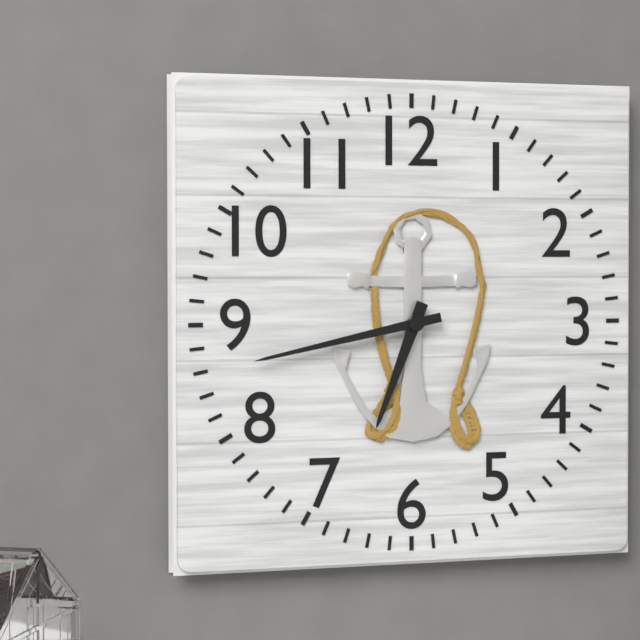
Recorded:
6.43
